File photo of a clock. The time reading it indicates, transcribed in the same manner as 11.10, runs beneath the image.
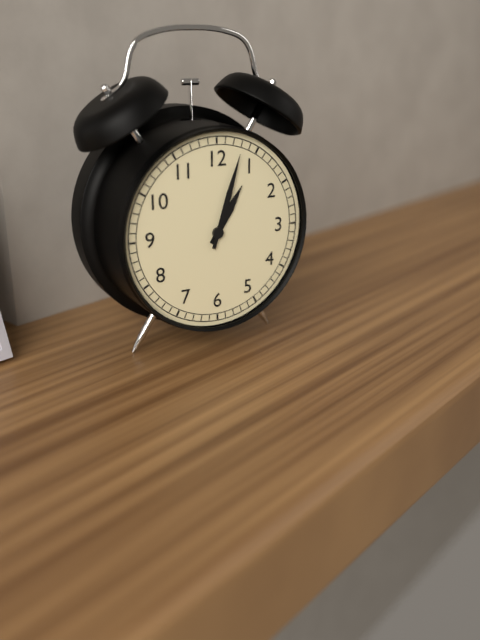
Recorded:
1.03
